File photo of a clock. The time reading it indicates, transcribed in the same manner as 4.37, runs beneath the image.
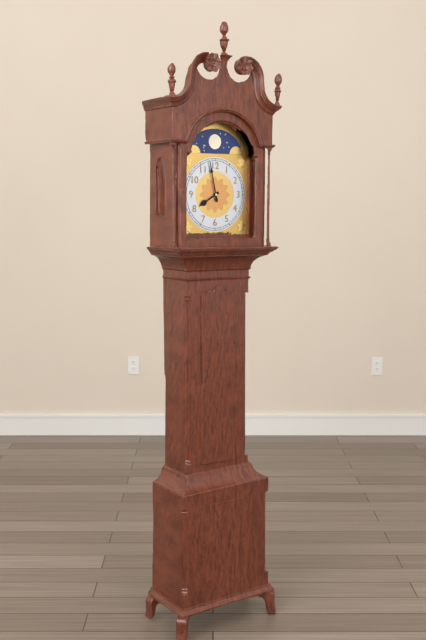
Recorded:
7.58
